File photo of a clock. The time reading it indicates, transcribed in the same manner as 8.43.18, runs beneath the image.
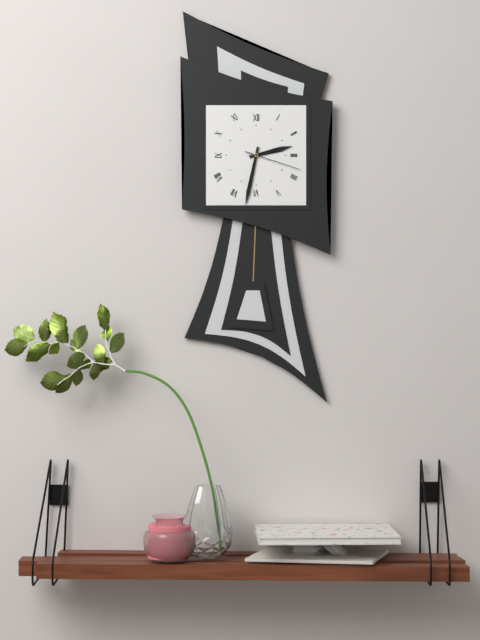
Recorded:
2.32.18
